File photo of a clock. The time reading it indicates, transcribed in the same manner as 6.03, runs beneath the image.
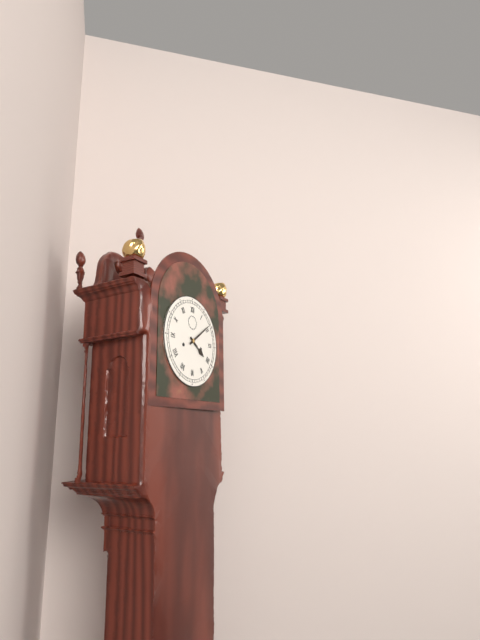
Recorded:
4.09
